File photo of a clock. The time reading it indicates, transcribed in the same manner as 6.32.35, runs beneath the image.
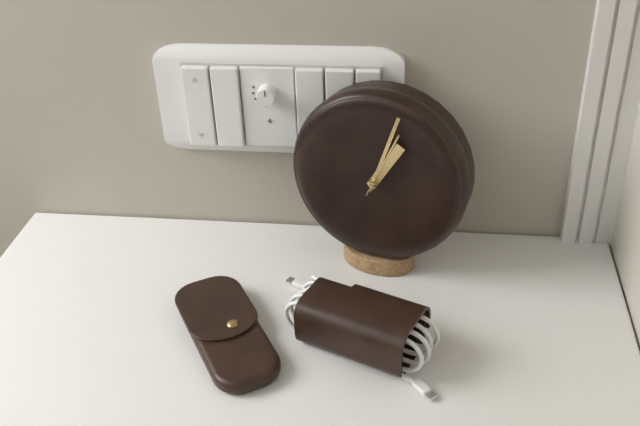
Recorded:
1.03.04
